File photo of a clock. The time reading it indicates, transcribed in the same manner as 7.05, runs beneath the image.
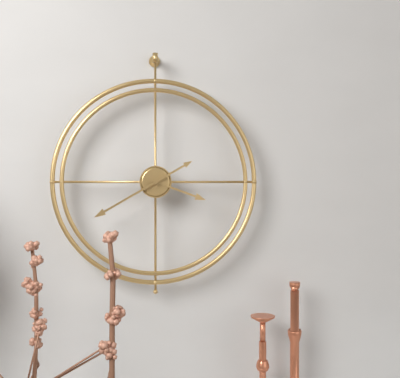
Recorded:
3.40
